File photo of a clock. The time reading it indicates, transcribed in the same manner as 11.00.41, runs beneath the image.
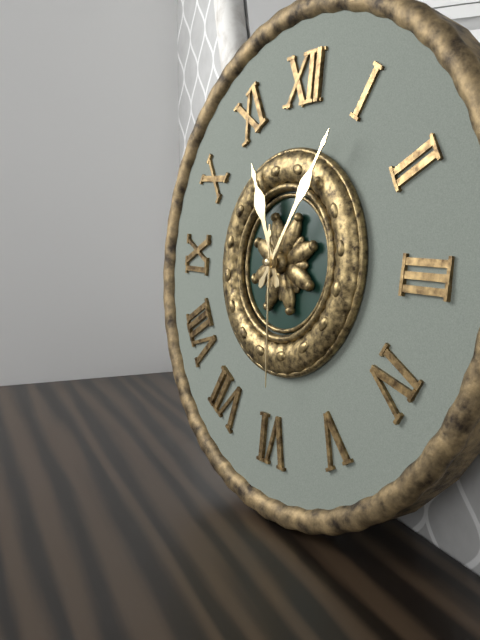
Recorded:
11.05.29
